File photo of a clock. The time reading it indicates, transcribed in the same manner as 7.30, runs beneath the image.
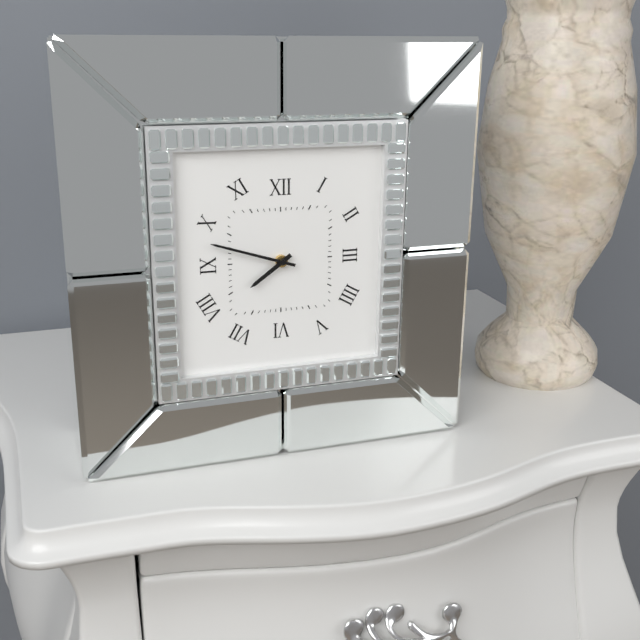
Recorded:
7.48
